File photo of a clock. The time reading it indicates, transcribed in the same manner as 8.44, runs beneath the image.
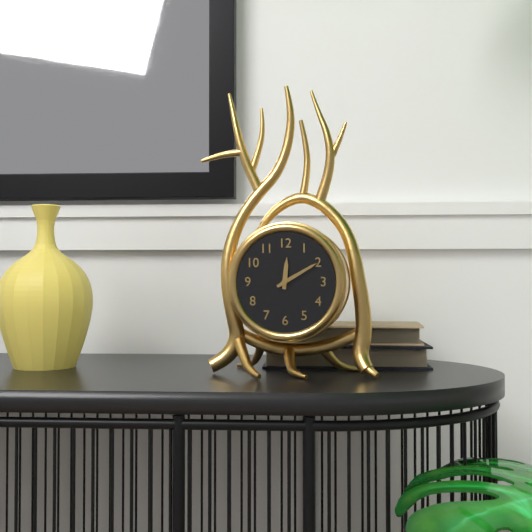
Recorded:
12.10
